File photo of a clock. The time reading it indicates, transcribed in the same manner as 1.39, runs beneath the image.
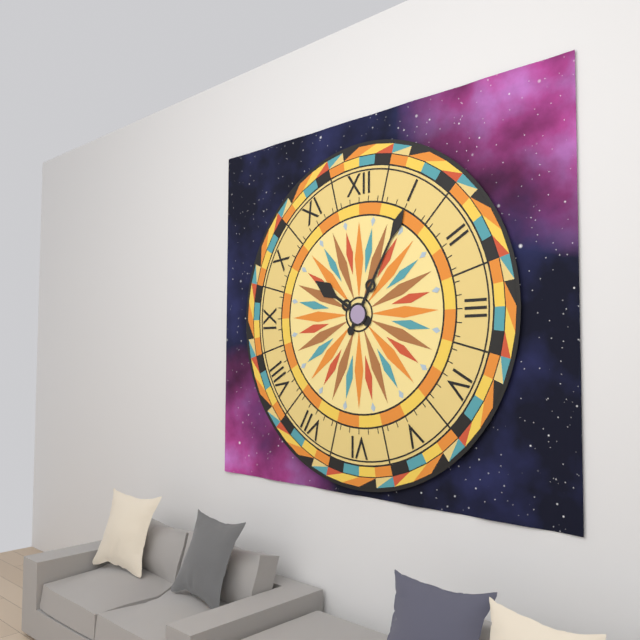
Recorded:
10.05
